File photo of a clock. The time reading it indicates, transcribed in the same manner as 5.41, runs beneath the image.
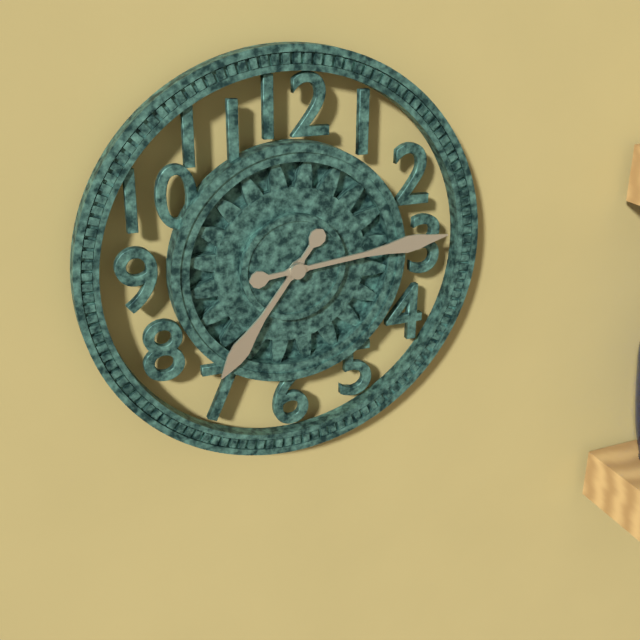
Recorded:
7.14
